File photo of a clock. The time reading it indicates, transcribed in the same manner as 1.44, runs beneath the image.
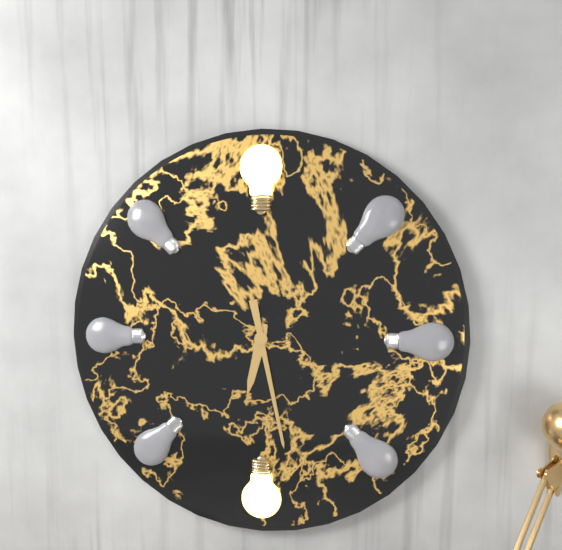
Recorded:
6.28
